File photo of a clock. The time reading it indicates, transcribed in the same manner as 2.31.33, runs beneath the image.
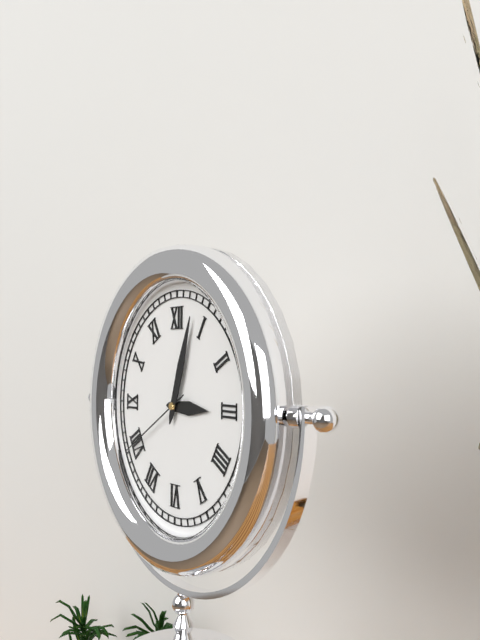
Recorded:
3.03.40
